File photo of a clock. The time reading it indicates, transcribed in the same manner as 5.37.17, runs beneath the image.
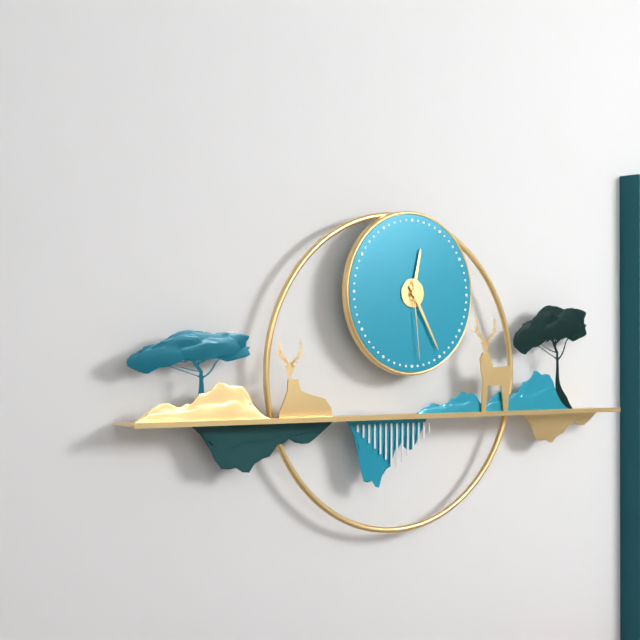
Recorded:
12.25.29
